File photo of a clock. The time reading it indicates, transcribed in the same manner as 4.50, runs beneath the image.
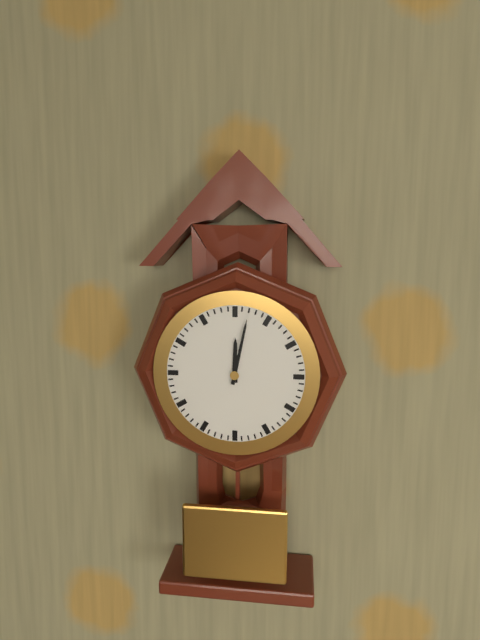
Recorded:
12.02
